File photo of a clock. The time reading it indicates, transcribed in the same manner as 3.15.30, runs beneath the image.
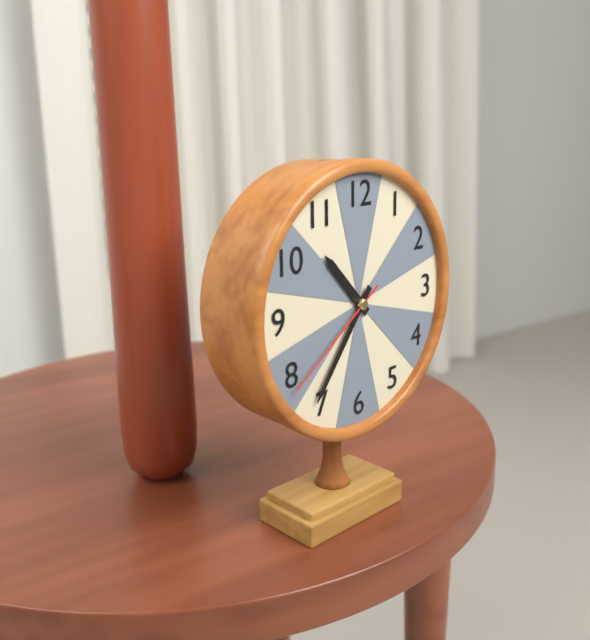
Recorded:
10.36.39
